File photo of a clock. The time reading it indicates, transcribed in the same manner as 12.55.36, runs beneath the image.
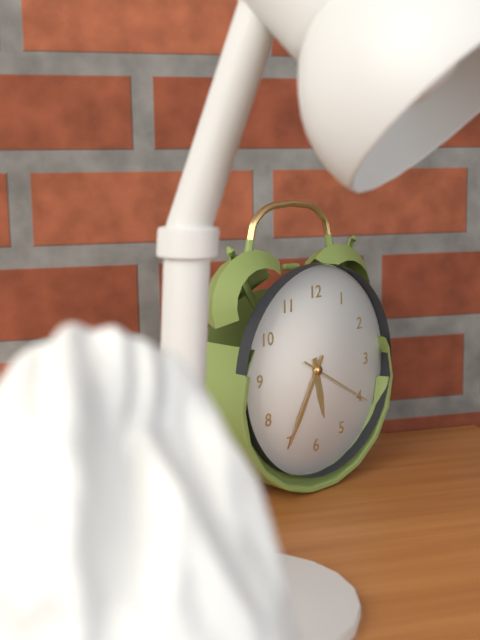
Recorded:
5.35.20
